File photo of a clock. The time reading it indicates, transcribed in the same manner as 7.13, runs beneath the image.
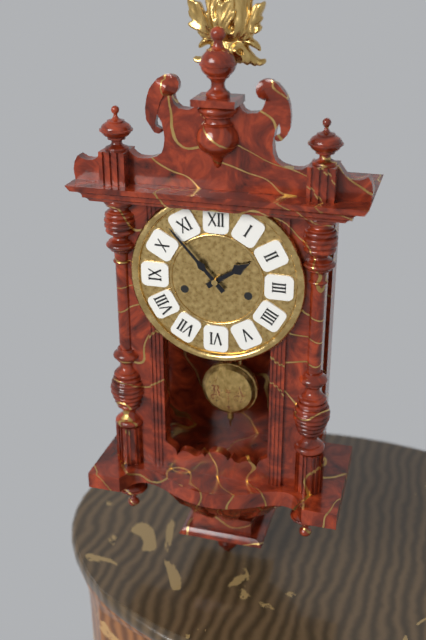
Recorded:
1.53
